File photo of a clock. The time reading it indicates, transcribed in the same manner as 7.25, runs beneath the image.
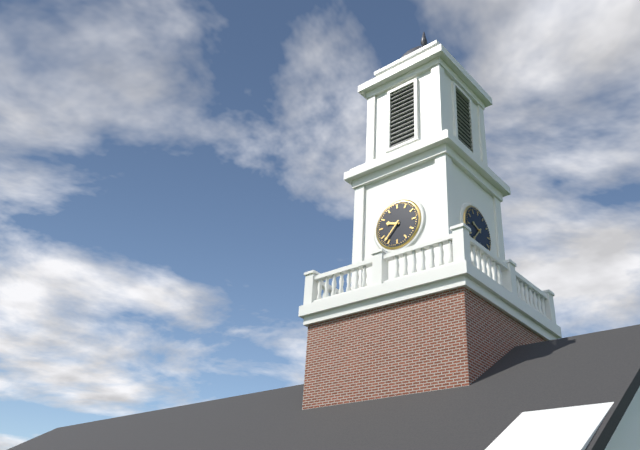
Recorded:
9.37
